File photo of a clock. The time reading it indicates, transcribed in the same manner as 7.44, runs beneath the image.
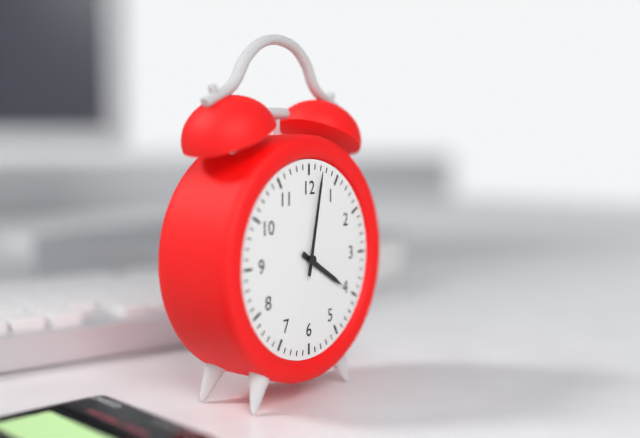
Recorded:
4.02
